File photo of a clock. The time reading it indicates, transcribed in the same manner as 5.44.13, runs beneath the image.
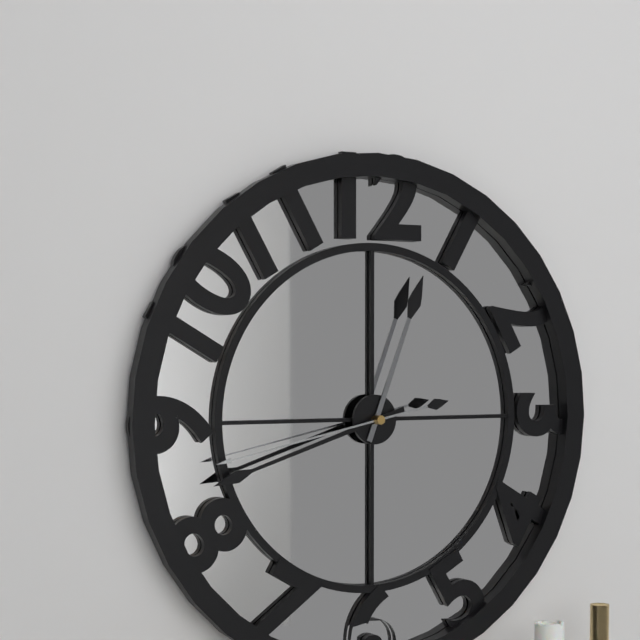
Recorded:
12.42.43
